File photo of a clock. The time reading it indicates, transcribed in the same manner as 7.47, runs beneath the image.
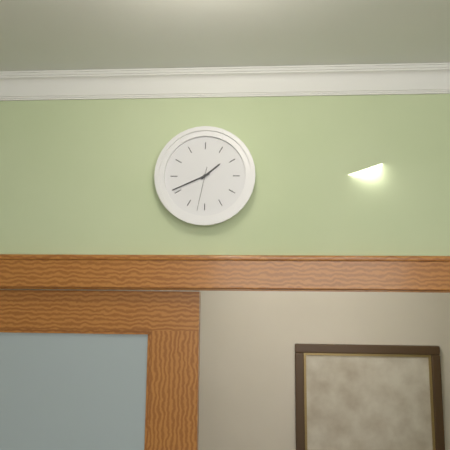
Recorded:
1.41
